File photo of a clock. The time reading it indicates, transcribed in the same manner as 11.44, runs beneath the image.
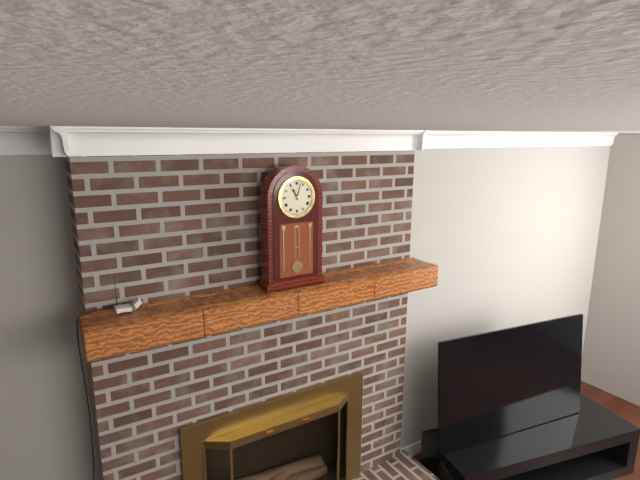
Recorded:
11.03
